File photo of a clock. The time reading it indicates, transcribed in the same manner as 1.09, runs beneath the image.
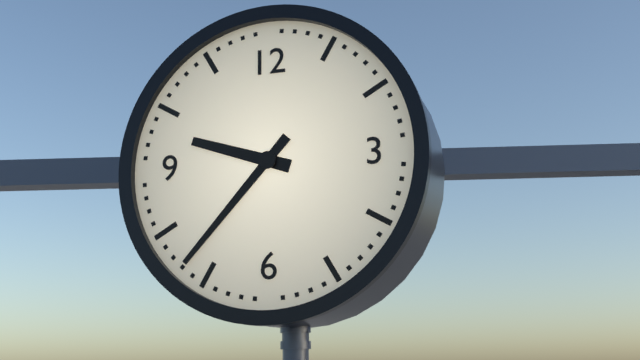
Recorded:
9.37
